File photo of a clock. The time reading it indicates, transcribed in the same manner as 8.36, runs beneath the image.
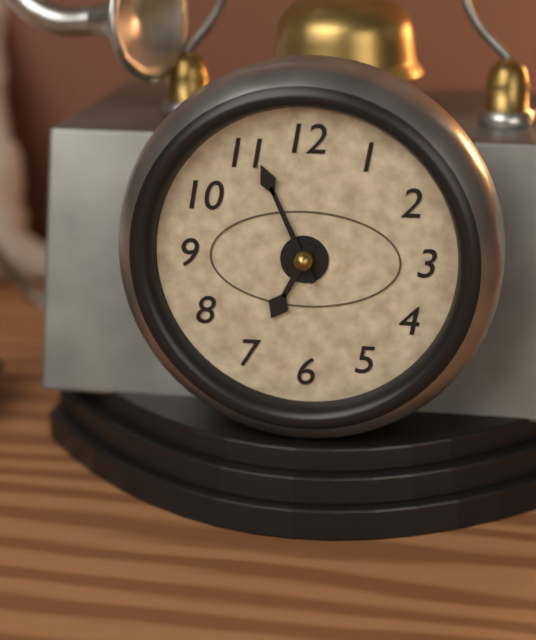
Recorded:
6.56
